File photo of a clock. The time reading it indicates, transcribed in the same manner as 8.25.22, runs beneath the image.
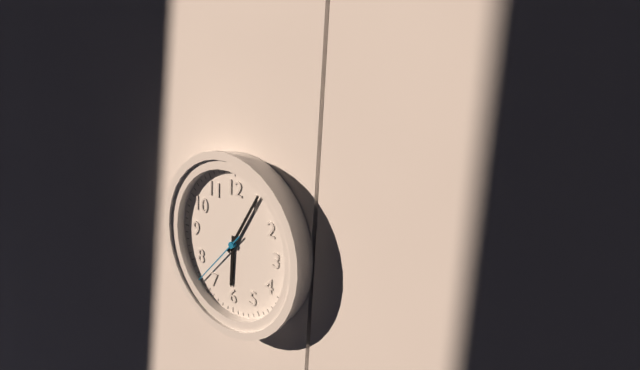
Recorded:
6.05.37
